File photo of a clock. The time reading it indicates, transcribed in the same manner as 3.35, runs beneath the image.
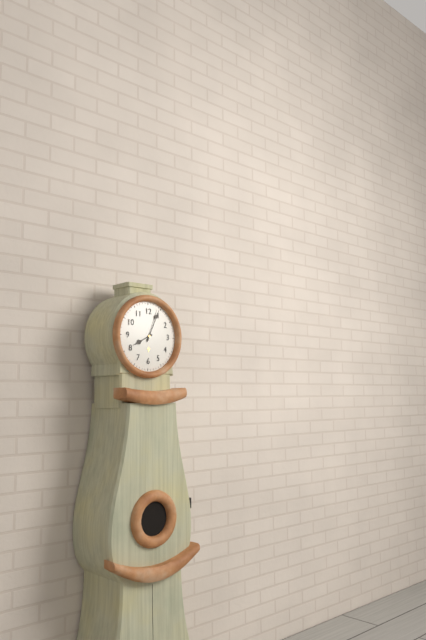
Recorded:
8.04
